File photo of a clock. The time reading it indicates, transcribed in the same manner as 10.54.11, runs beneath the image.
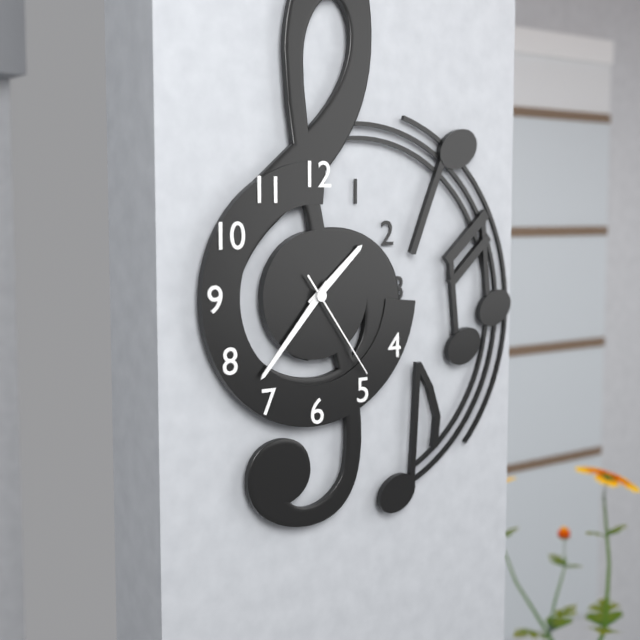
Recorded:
1.37.24
